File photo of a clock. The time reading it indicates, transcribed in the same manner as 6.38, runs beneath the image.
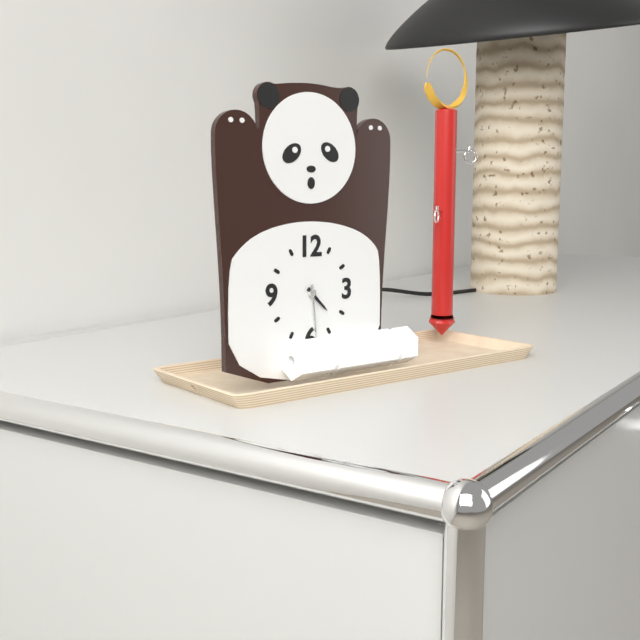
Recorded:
4.29
